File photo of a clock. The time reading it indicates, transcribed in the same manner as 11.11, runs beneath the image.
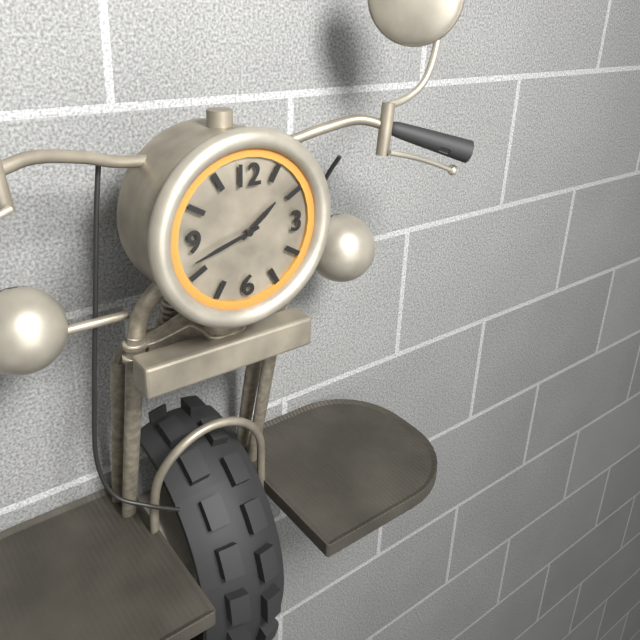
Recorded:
1.42
